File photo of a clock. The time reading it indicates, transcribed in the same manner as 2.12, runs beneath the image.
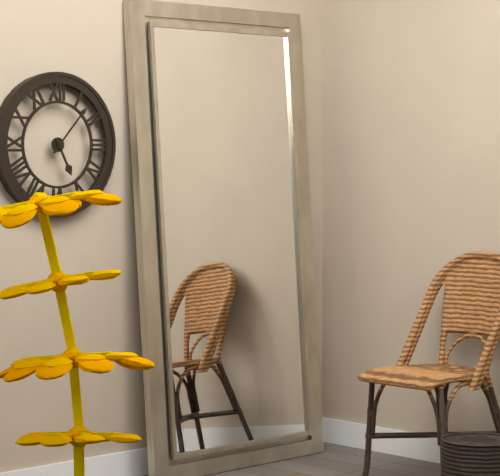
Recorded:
5.07
